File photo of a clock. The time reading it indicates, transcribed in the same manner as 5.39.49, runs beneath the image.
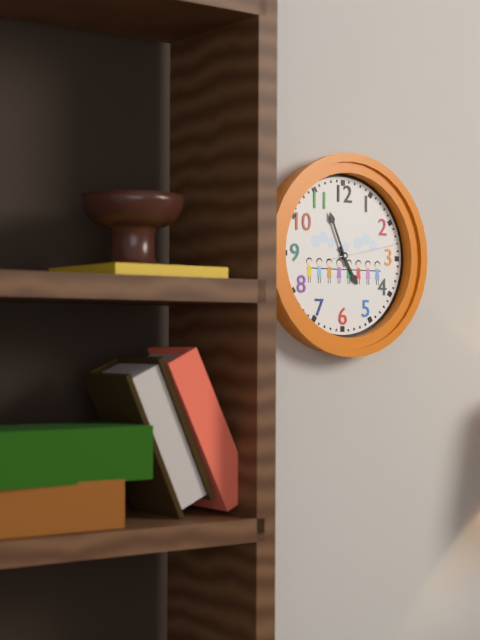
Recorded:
4.56.13
